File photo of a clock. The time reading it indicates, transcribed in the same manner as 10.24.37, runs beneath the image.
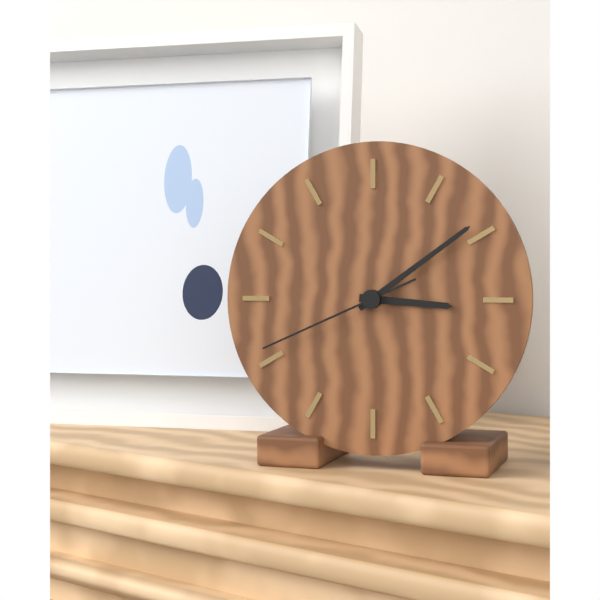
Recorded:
3.09.41
